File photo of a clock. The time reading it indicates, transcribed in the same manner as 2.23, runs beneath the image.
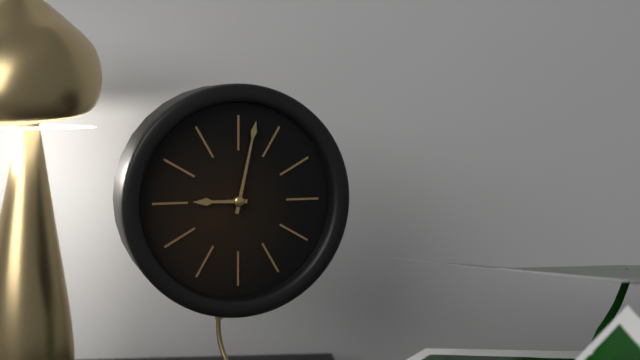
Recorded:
9.02
